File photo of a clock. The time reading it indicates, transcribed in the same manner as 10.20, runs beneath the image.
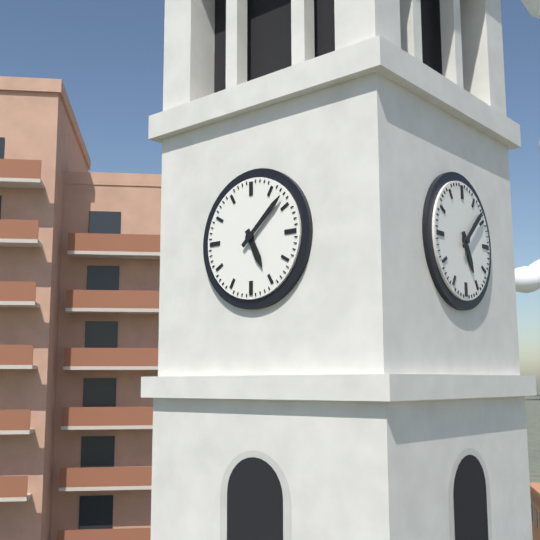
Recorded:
5.08
